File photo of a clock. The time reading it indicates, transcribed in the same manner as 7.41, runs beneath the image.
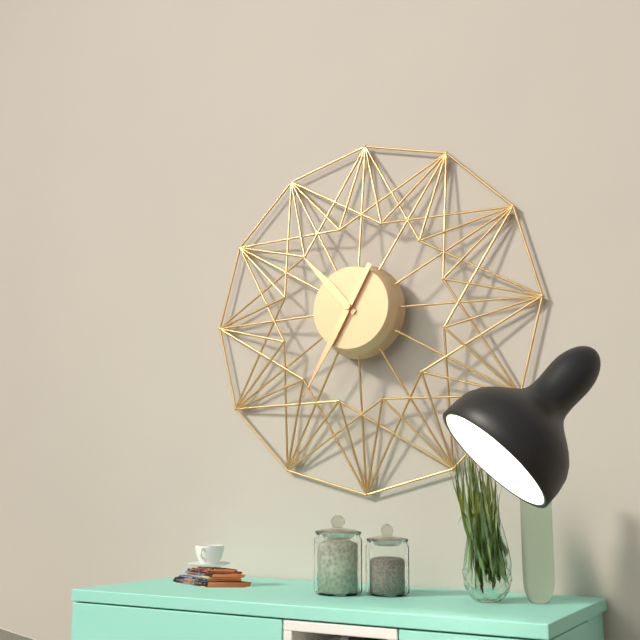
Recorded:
10.35
